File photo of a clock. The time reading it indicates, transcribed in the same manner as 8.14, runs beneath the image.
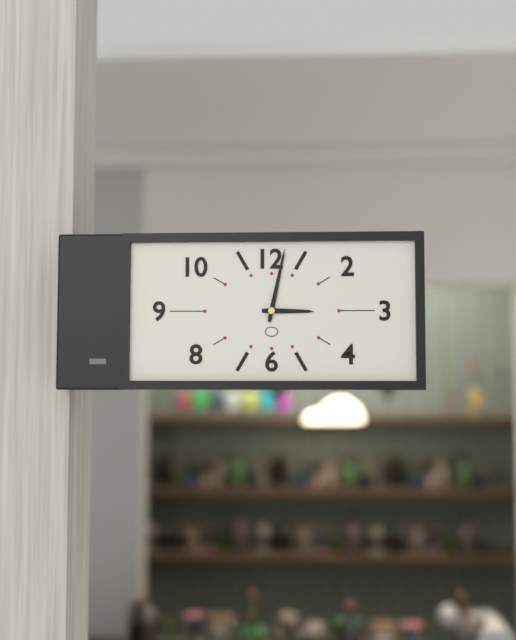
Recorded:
3.02
